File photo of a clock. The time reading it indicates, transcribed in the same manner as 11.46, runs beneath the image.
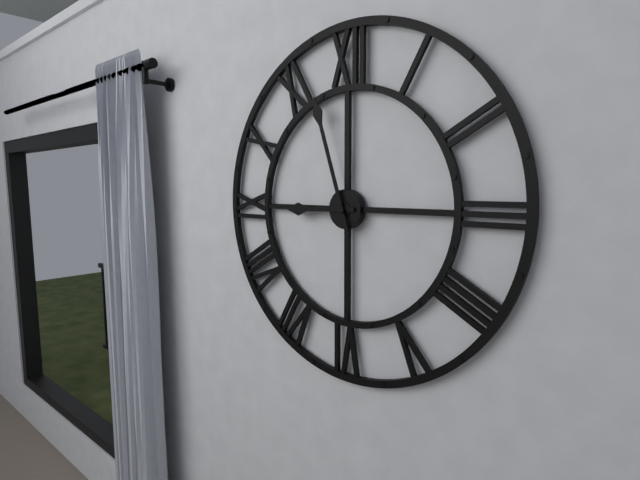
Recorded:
8.57
